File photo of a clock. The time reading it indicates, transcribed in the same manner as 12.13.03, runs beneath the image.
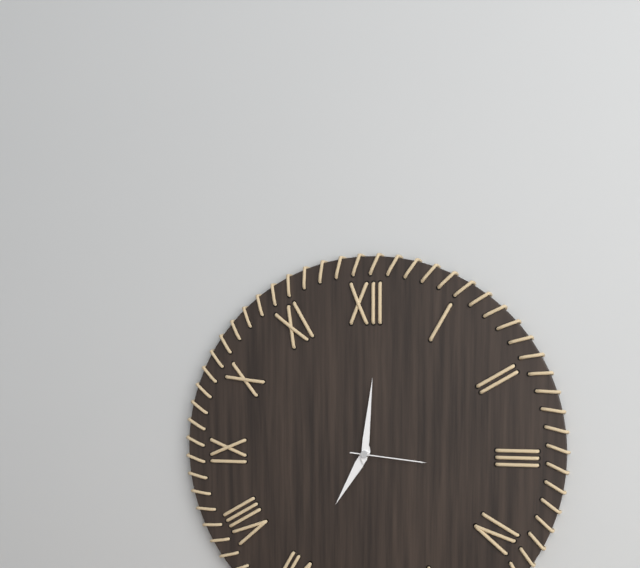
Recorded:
7.01.16
